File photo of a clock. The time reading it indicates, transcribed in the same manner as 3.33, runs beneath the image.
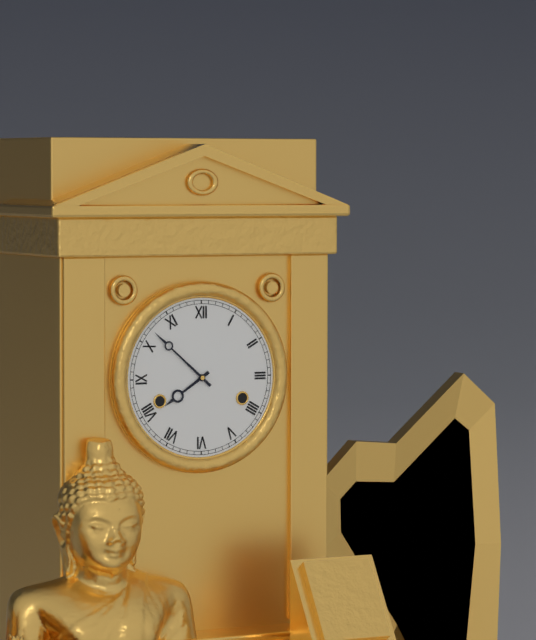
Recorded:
7.52
